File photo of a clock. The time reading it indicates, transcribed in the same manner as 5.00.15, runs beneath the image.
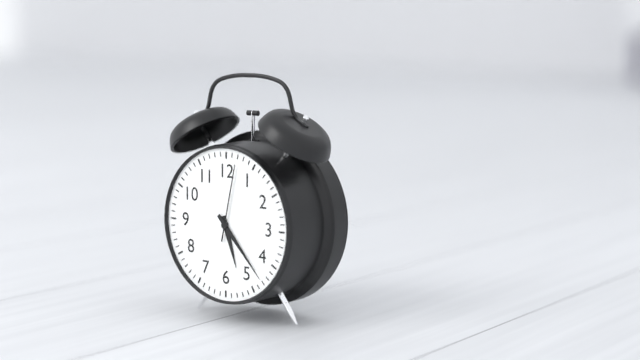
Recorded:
5.23.02
